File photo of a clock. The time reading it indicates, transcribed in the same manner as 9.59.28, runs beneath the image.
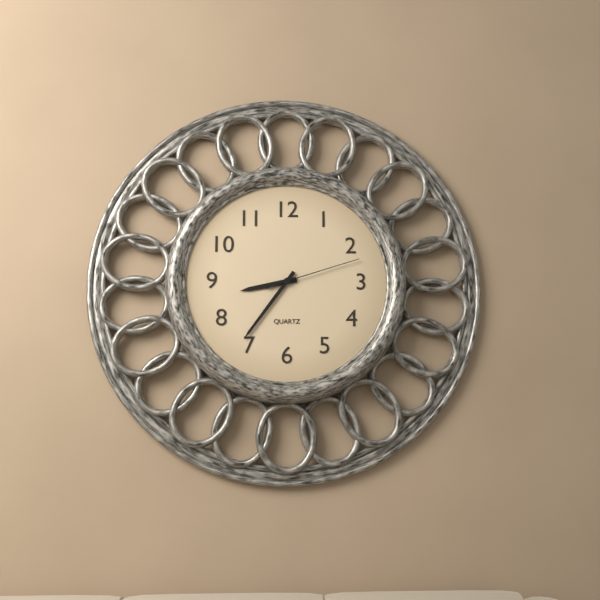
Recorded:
8.36.12
